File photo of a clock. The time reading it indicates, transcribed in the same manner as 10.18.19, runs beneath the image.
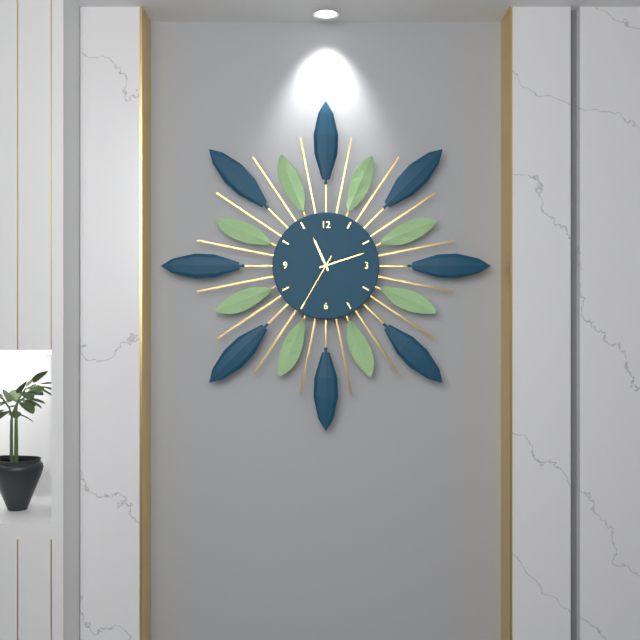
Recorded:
11.12.35
